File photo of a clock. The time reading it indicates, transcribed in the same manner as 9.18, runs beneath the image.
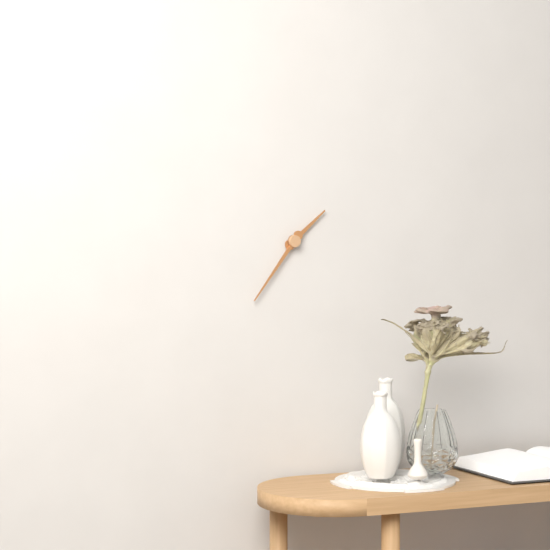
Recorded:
1.36
